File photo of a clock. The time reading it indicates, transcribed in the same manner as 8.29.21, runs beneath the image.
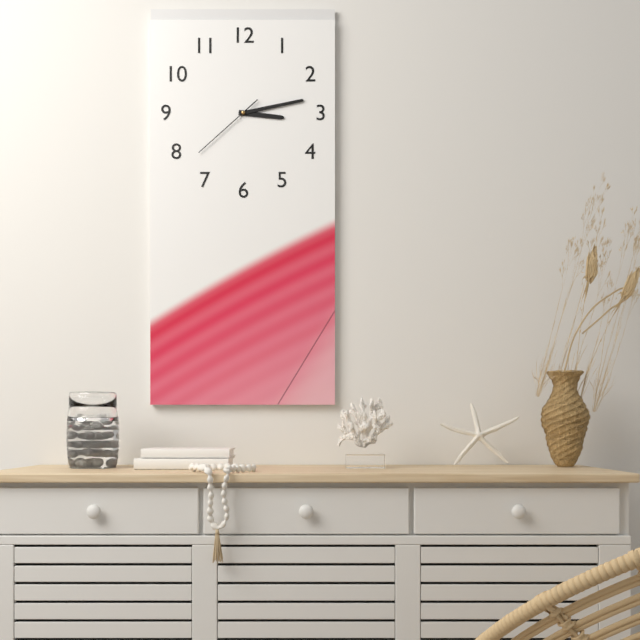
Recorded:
3.13.38
